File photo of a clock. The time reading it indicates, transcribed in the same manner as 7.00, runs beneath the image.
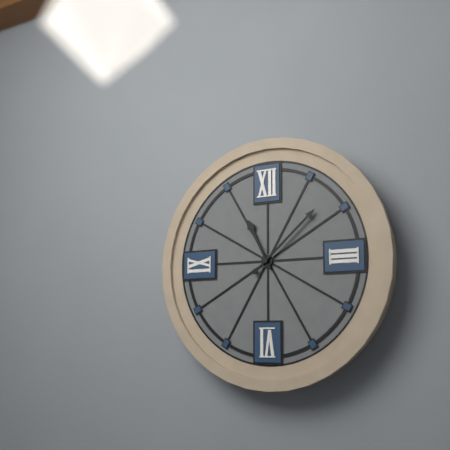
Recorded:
11.08
